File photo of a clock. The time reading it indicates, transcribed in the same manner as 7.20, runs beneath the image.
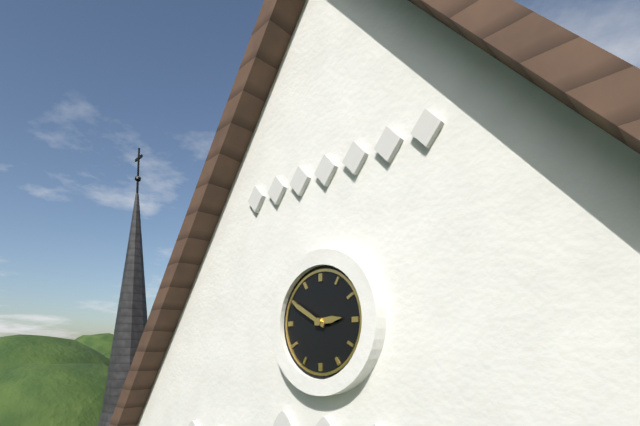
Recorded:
2.50
